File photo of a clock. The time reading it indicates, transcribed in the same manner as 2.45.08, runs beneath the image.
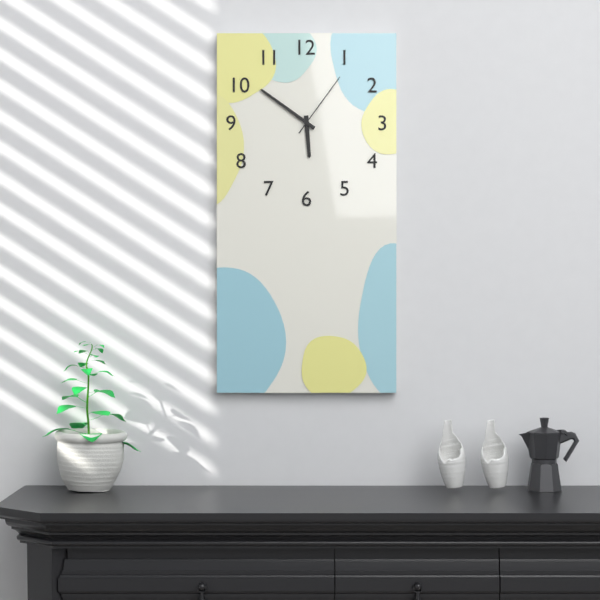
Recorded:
5.51.06
